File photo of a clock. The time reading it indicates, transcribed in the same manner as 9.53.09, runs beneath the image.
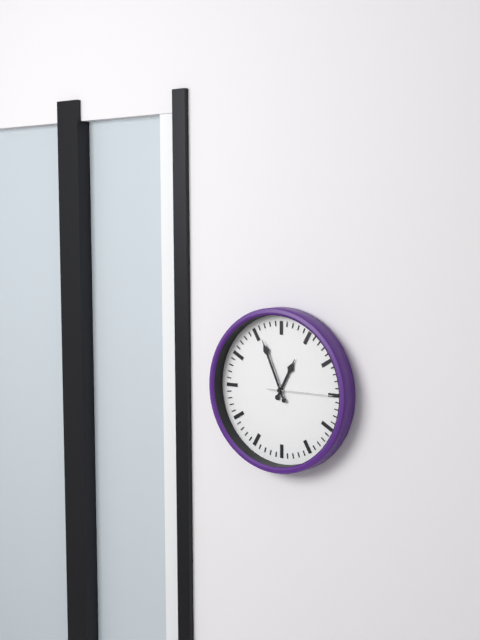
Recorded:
12.56.15
